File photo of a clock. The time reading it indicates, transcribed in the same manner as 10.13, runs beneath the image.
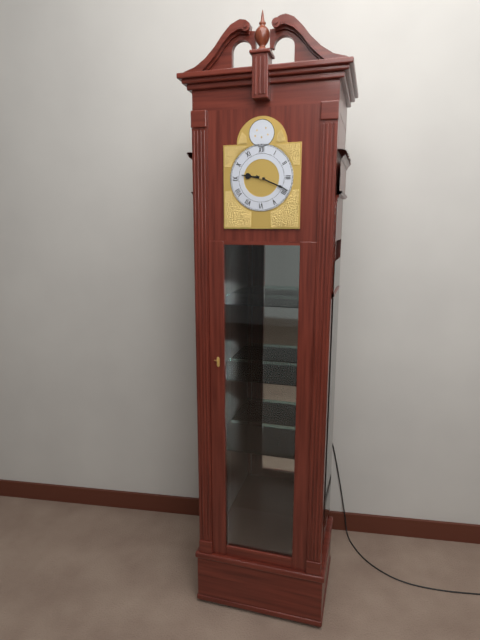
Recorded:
9.19
